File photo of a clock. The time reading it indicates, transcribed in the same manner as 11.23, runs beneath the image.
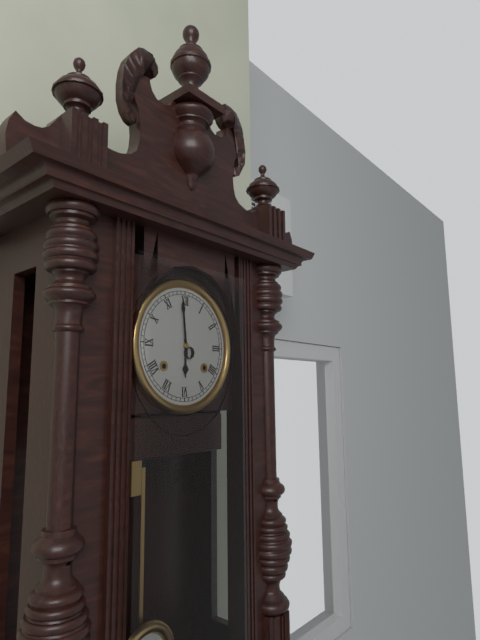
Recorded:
5.59
